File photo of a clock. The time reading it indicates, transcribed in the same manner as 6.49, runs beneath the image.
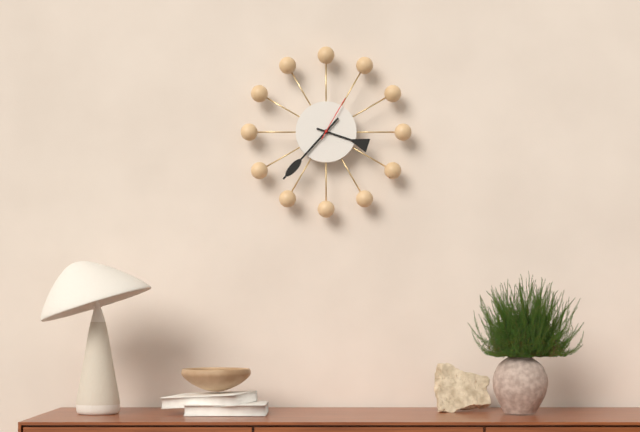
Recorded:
3.37
